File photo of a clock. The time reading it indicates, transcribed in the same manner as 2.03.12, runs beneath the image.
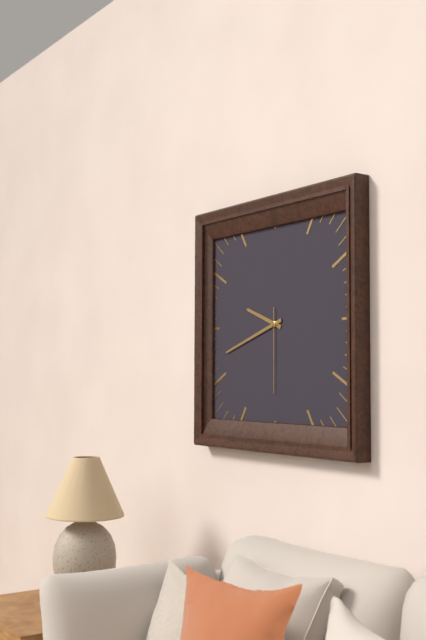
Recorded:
9.42.30
